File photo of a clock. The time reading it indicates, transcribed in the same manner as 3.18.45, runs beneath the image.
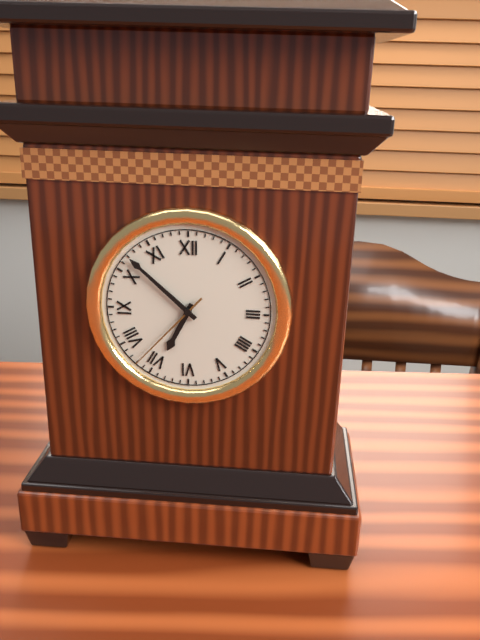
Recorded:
6.52.37
